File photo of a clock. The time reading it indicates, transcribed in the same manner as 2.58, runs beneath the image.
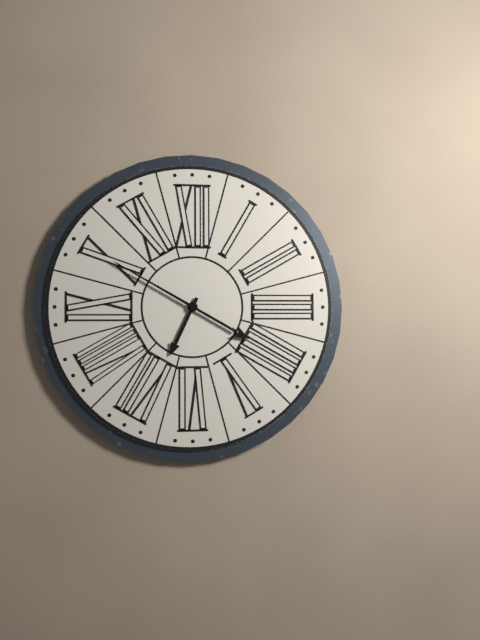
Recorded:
6.50
